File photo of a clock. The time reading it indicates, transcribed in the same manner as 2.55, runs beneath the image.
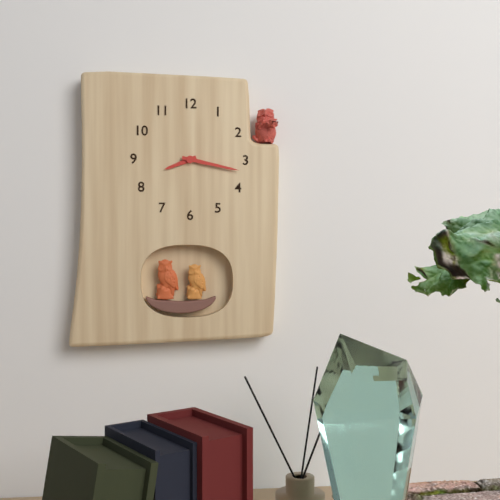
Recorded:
8.17
